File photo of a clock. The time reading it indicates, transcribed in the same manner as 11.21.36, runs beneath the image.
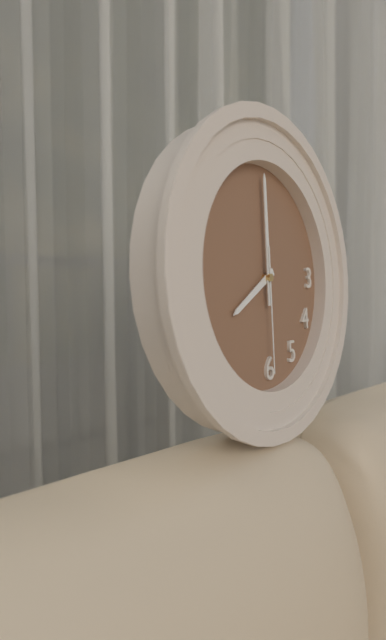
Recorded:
8.00.30
